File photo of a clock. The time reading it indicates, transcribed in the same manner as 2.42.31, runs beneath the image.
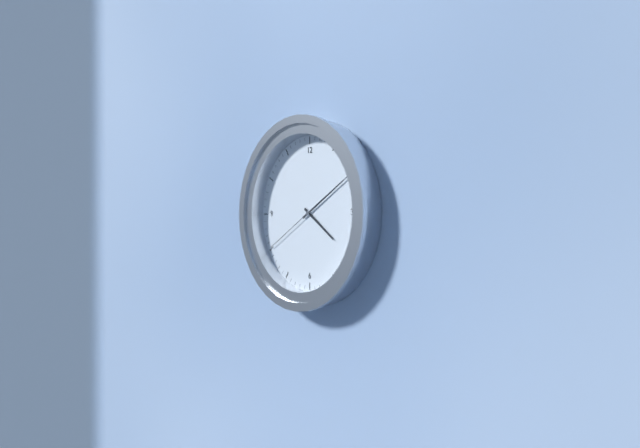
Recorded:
4.10.40
